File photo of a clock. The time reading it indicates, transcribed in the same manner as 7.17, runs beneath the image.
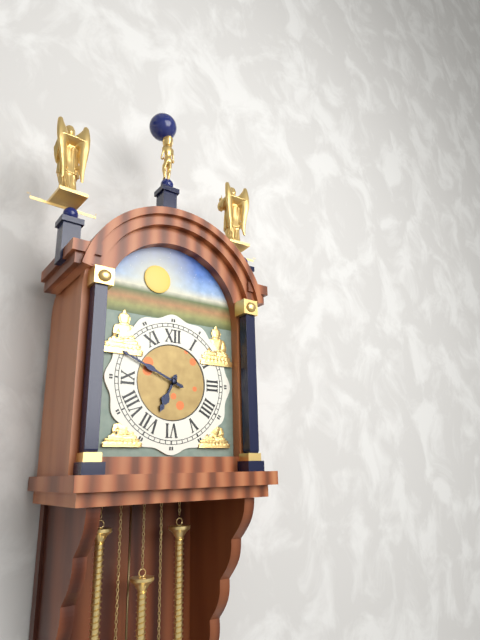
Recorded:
6.49
